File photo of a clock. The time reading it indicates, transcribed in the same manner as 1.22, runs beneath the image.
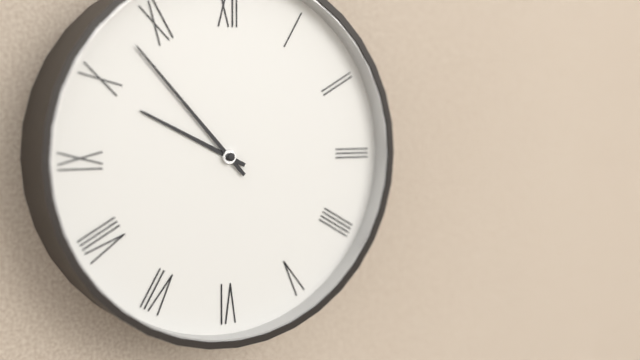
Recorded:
9.53
